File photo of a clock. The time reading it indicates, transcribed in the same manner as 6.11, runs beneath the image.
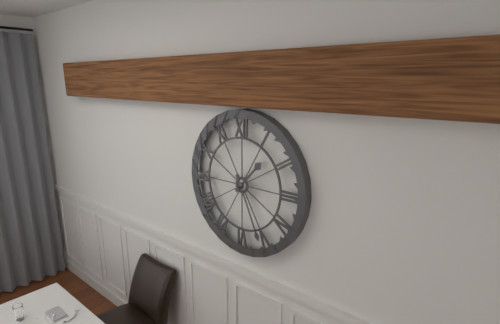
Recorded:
1.26
